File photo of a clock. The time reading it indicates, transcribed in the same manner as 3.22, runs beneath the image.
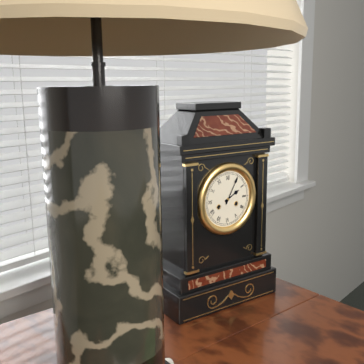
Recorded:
2.05
